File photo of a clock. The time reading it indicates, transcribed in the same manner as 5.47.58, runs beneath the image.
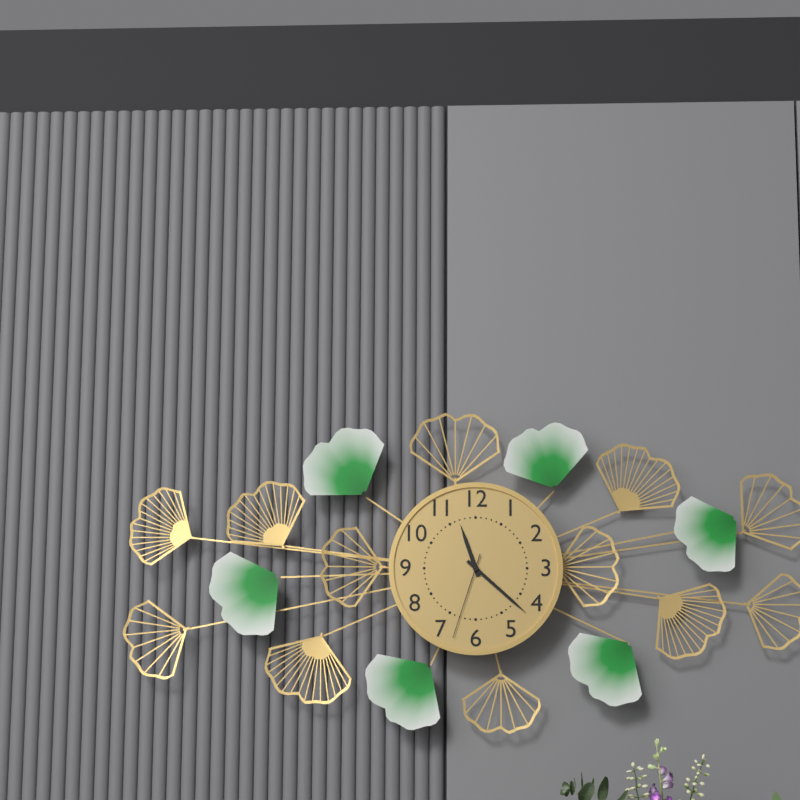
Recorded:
11.22.33
